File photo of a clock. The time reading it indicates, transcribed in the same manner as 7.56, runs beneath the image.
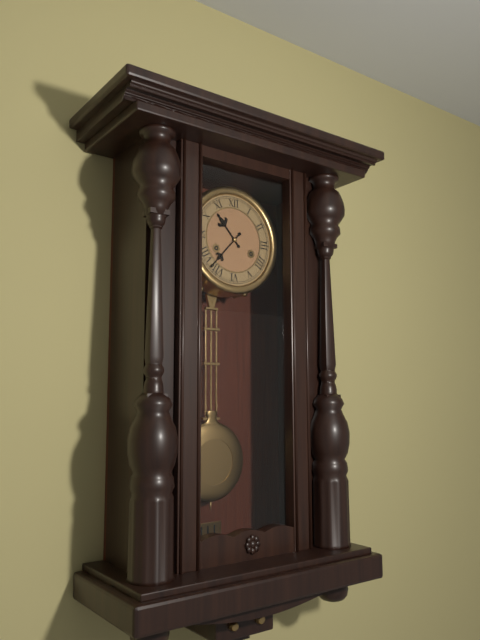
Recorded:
10.37
